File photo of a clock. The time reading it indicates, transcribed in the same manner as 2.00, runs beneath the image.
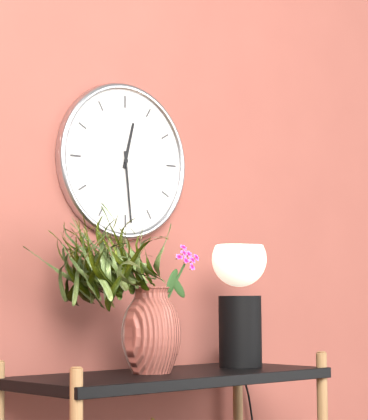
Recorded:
12.29
